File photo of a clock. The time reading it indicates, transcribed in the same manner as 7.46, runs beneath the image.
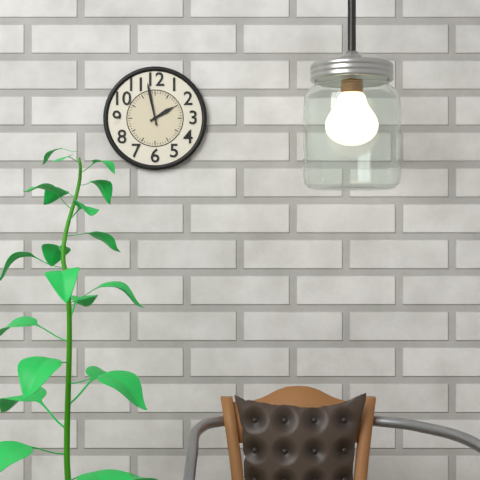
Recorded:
1.58
